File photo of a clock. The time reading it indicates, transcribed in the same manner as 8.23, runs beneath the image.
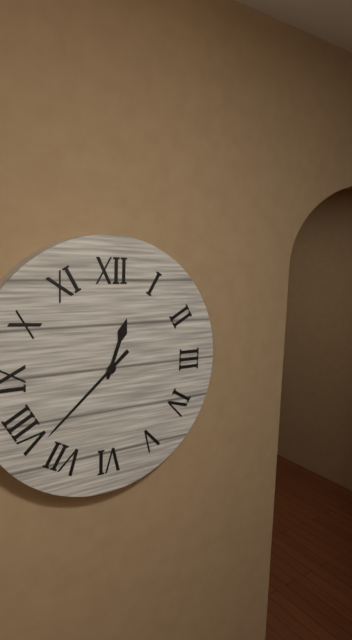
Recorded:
12.38
